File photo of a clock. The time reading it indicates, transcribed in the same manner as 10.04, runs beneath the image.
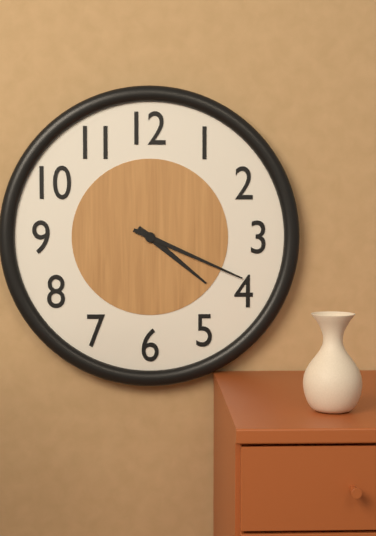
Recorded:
4.19
